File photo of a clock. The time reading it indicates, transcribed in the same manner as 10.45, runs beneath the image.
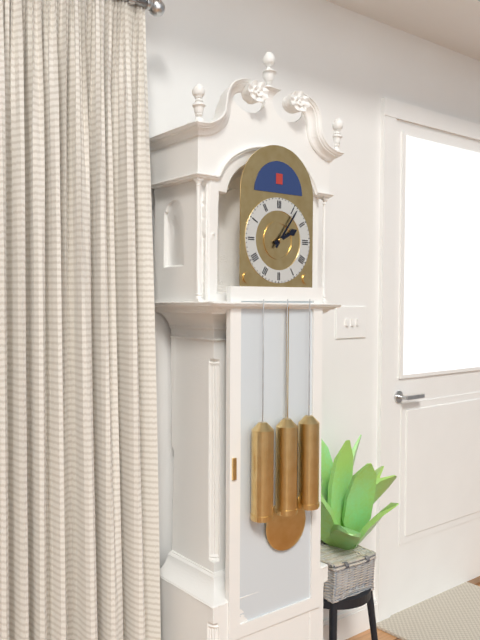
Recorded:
2.06
